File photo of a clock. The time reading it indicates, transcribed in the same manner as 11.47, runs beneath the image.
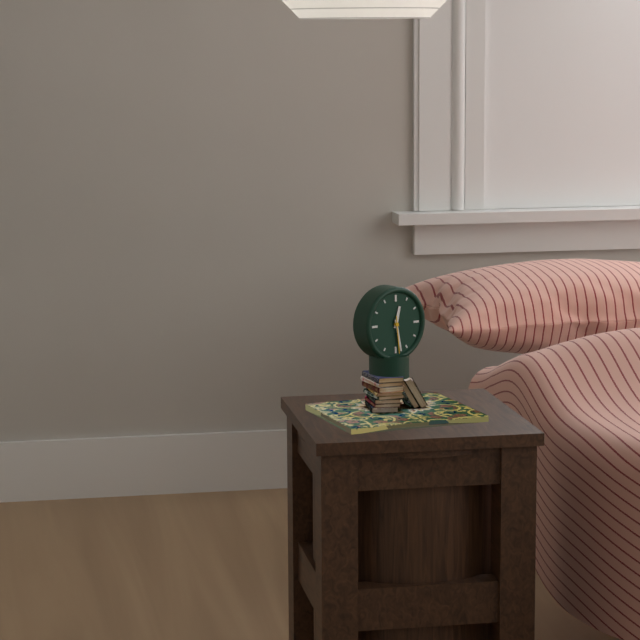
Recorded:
12.28
